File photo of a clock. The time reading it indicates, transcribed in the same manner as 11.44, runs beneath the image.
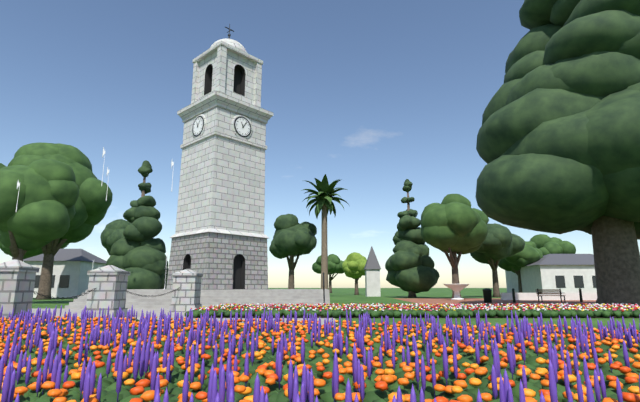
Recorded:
11.06
